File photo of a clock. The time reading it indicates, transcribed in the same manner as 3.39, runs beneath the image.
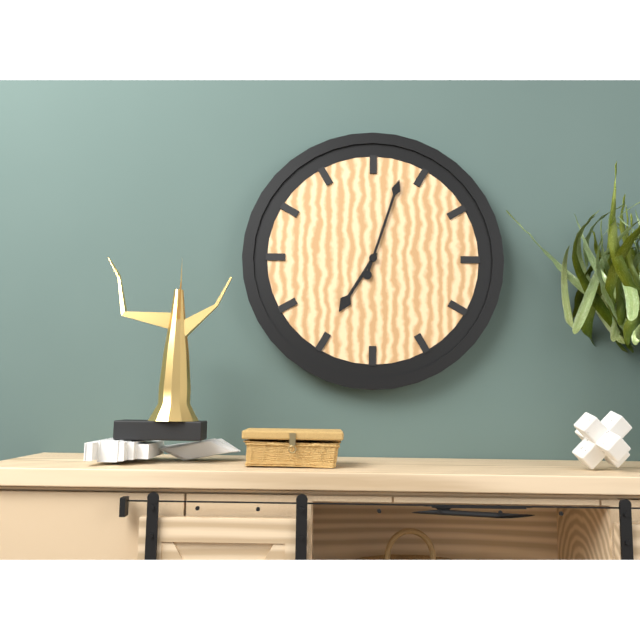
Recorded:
7.03
